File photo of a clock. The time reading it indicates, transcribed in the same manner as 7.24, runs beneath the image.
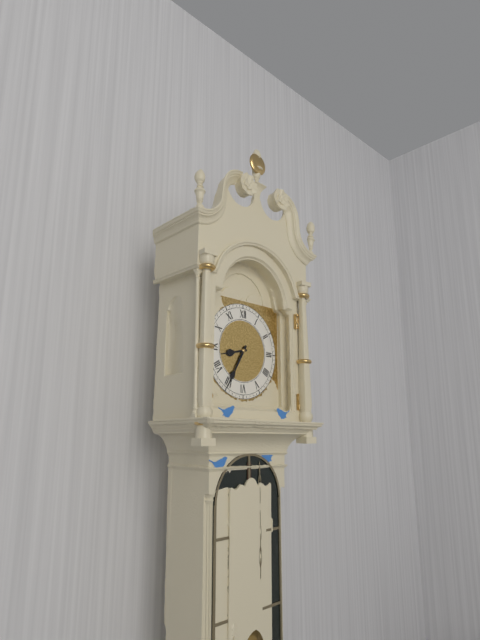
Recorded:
8.35
